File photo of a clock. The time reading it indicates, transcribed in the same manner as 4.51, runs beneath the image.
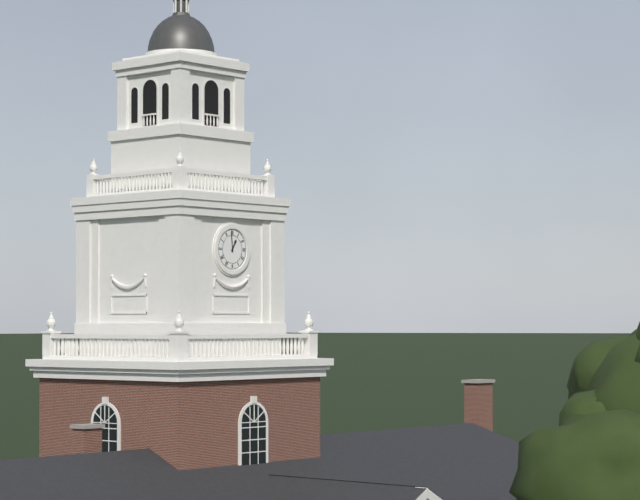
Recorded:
12.59
